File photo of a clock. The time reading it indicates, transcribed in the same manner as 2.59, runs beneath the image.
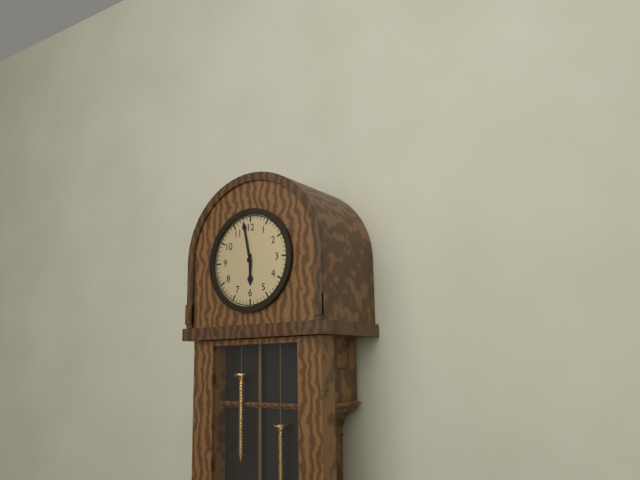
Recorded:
5.58
